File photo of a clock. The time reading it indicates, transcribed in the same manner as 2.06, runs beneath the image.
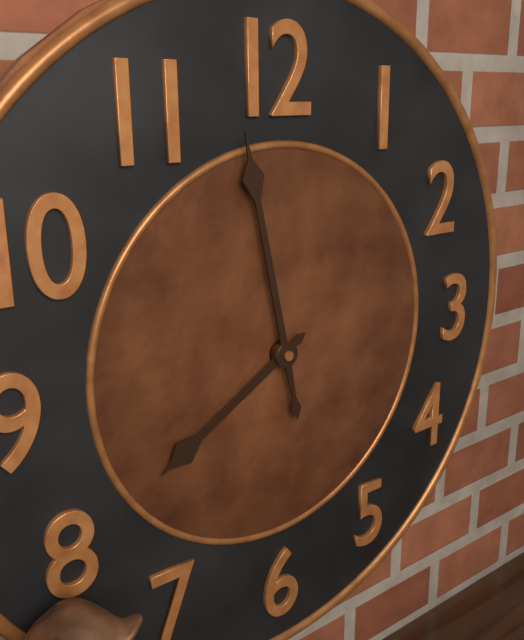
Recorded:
7.58
